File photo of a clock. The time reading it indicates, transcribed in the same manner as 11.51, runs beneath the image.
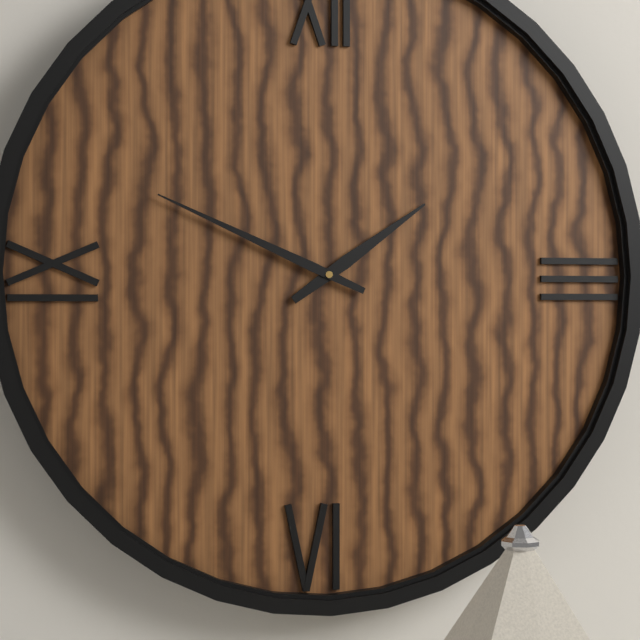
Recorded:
1.49
